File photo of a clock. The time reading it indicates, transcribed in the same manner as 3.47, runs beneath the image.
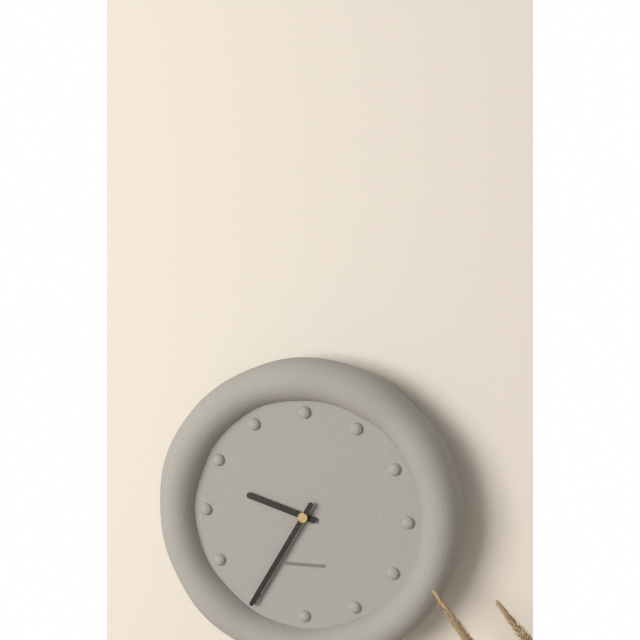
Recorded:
9.35
